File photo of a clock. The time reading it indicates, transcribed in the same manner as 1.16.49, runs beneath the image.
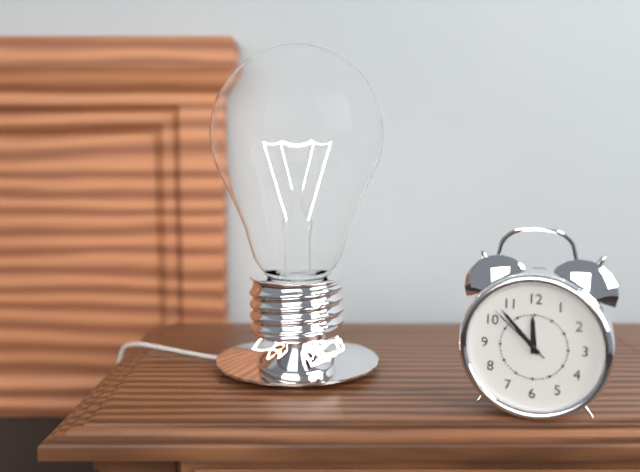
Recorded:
11.53.52
